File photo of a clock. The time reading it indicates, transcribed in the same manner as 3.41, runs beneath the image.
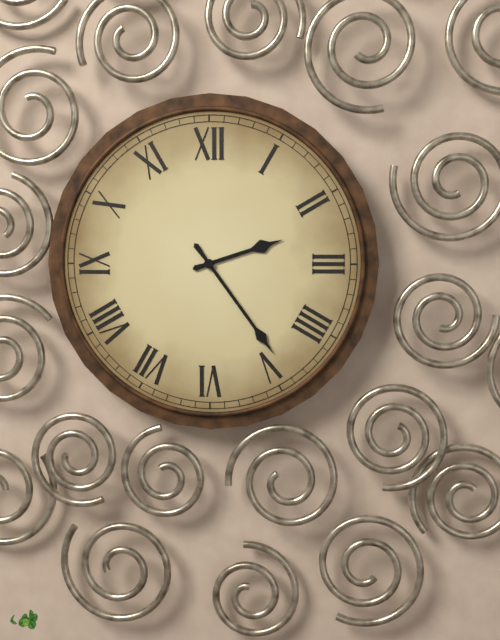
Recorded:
2.24
